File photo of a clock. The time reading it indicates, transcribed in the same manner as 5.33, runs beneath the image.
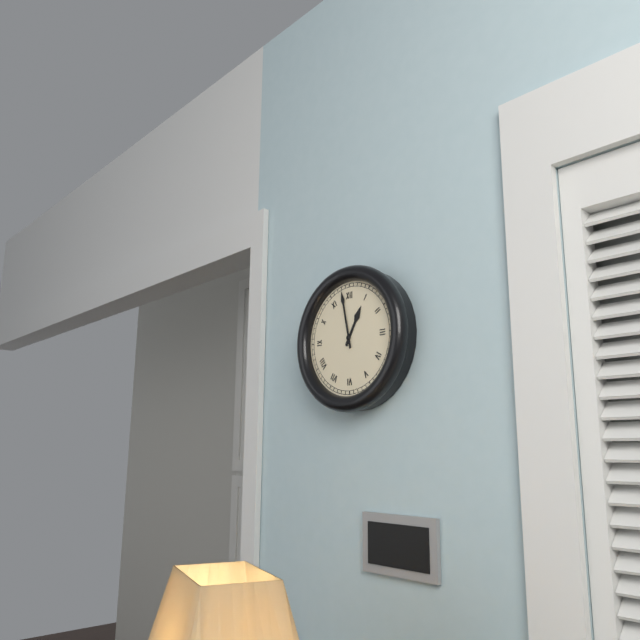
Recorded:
12.58
